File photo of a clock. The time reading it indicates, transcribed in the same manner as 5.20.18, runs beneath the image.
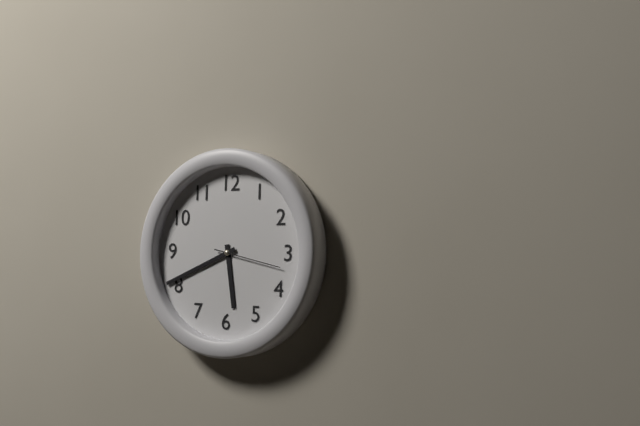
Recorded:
5.41.17
